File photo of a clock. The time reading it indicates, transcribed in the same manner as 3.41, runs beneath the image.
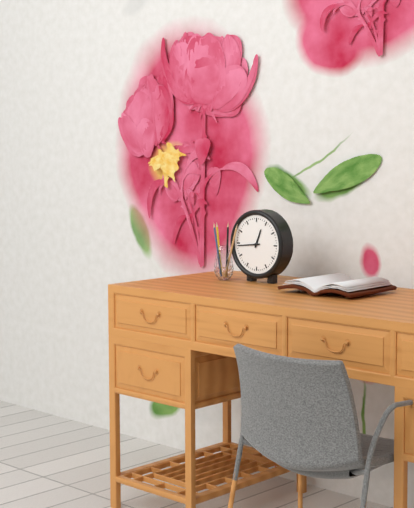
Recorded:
12.44
